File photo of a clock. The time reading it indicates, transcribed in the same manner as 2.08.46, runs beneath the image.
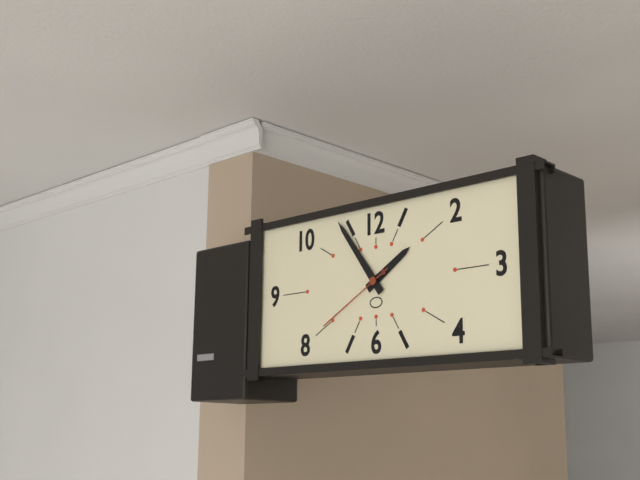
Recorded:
1.54.40
